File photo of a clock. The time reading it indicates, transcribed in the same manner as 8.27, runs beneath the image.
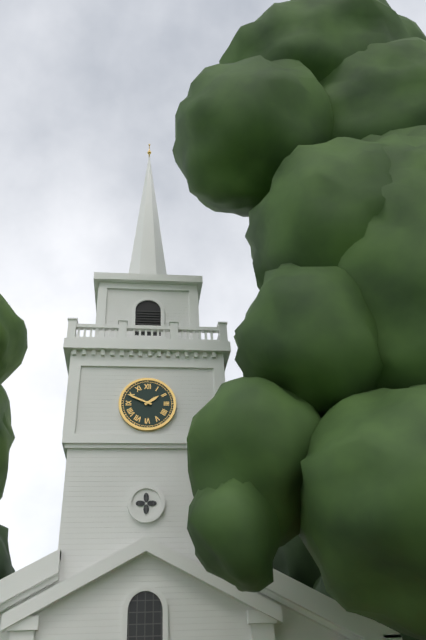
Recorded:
1.49
